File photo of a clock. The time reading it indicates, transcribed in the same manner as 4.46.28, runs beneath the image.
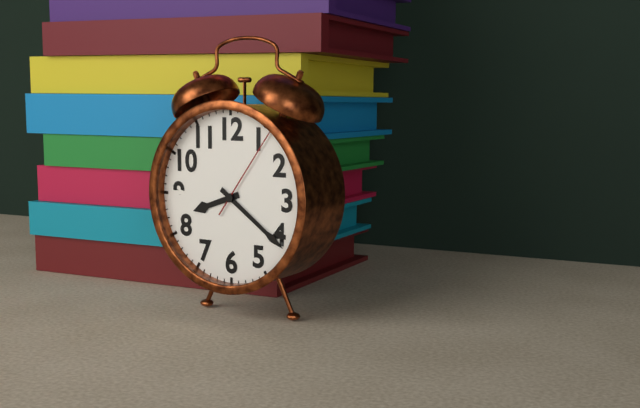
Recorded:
8.21.06
